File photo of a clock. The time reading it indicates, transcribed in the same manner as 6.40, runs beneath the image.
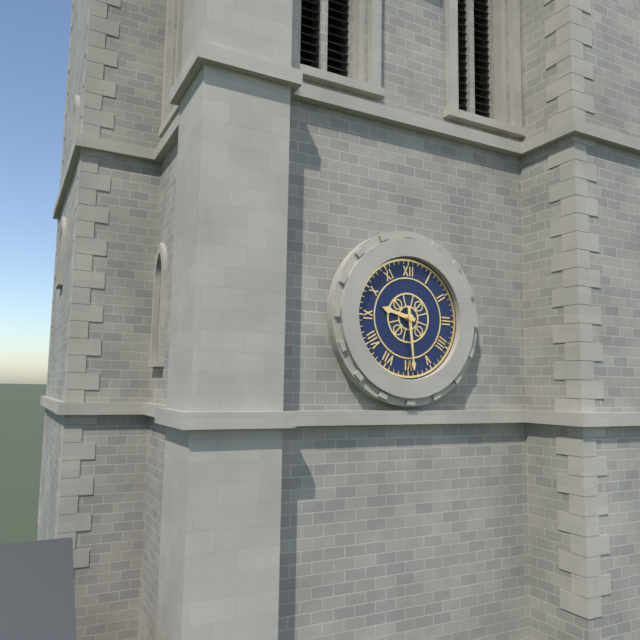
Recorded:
9.29
